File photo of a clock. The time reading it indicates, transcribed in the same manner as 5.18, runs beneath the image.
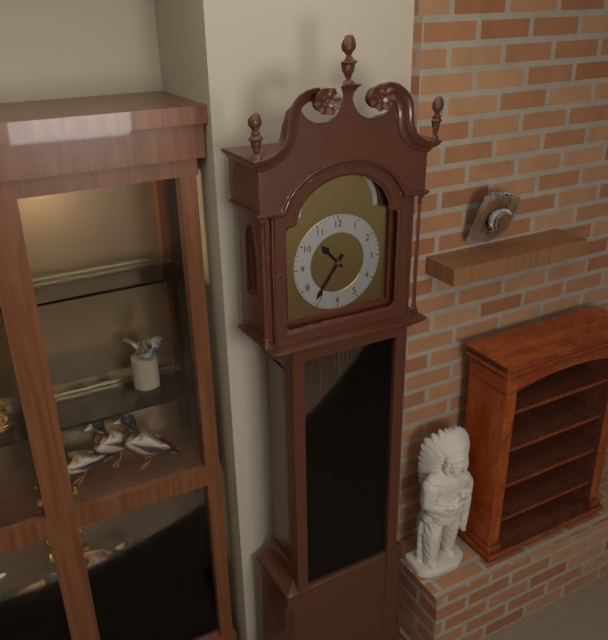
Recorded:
10.36
